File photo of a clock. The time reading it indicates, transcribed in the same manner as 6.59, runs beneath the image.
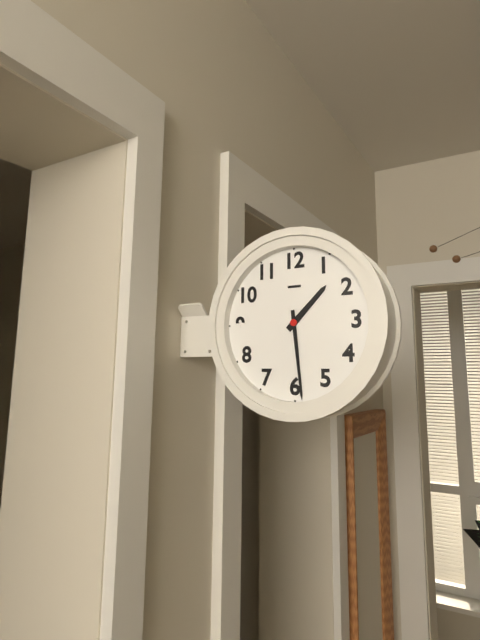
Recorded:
1.29
